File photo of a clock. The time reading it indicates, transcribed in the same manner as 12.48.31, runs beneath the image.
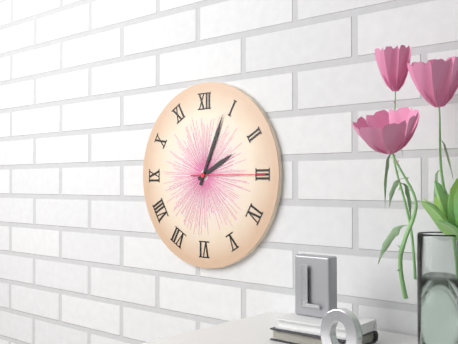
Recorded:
2.04.15
